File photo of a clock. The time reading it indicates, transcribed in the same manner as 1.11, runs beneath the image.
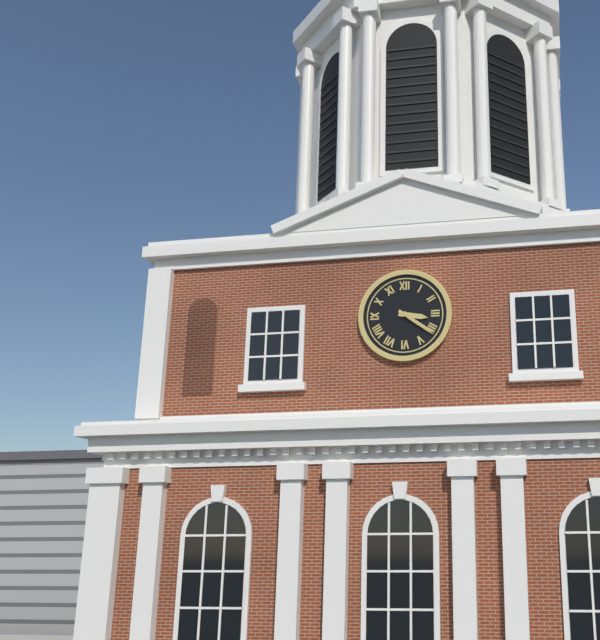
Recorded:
3.21
